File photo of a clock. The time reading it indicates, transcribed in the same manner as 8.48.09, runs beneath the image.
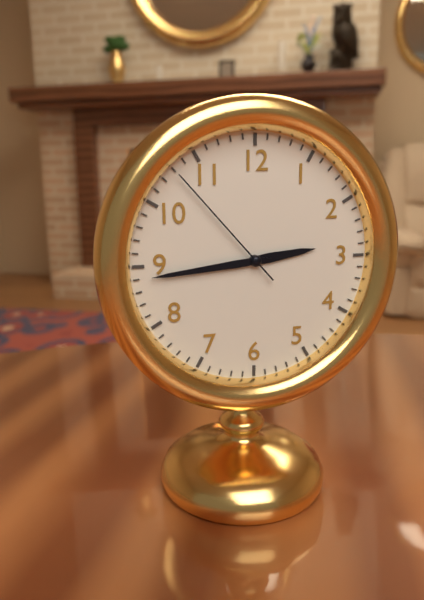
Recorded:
2.44.53
